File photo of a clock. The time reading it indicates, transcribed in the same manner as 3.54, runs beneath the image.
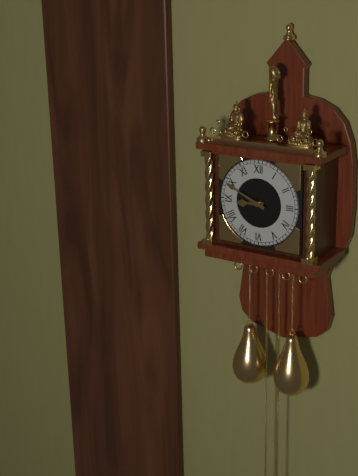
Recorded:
8.49
